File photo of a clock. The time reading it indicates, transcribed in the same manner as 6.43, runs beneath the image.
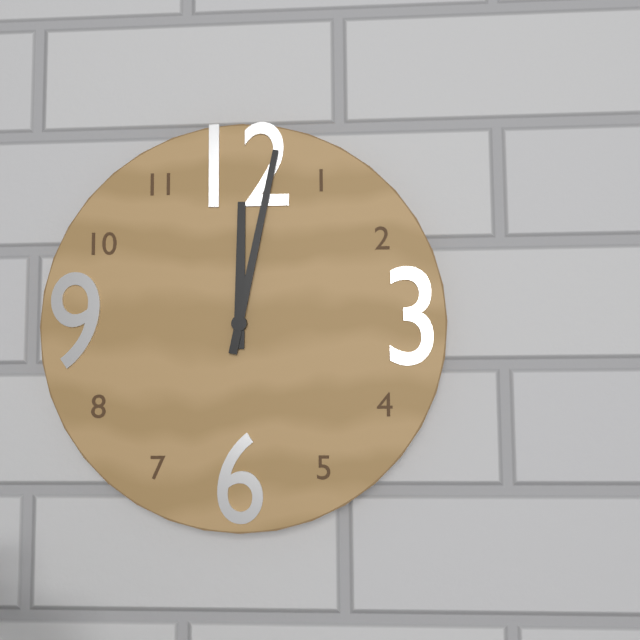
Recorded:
12.02
